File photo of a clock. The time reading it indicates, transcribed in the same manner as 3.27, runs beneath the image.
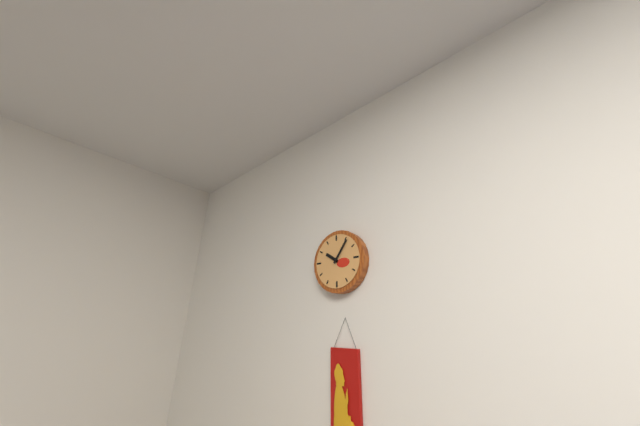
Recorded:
10.06
